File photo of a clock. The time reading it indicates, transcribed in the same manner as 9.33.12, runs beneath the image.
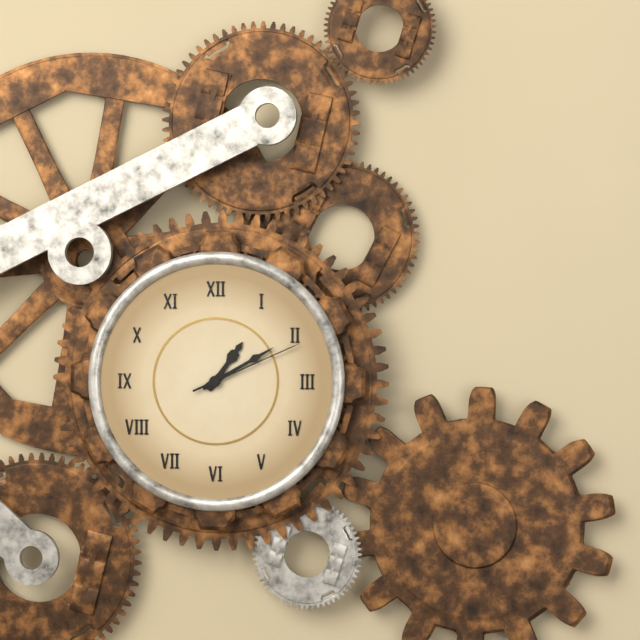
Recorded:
1.10.11
